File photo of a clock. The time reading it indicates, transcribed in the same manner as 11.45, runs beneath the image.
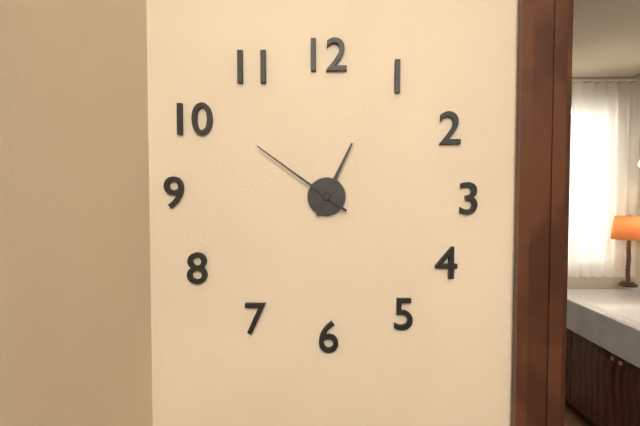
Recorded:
12.51
